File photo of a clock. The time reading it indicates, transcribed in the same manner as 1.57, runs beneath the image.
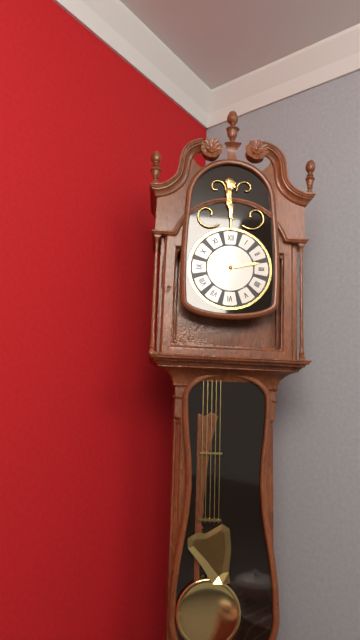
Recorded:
7.13
